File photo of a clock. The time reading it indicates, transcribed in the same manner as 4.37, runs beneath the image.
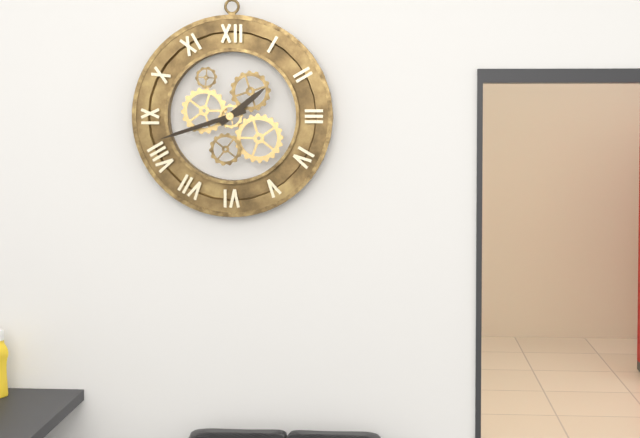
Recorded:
1.42
